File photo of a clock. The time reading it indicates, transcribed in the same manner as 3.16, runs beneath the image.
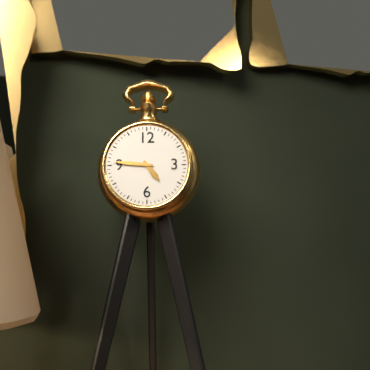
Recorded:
4.46
